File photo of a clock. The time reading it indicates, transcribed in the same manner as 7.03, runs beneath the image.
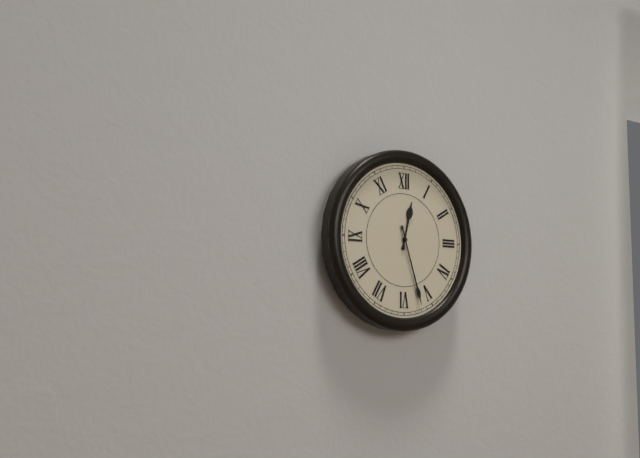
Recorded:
12.27
